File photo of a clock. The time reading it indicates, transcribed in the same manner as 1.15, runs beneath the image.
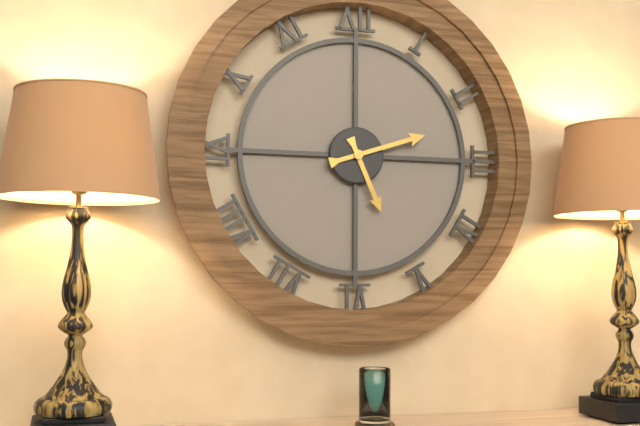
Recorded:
5.12
